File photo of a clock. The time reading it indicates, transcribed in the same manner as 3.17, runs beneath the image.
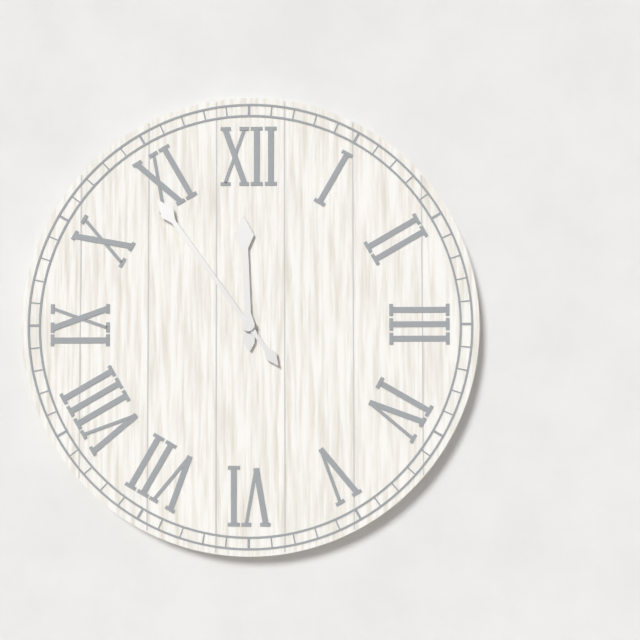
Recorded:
11.54
